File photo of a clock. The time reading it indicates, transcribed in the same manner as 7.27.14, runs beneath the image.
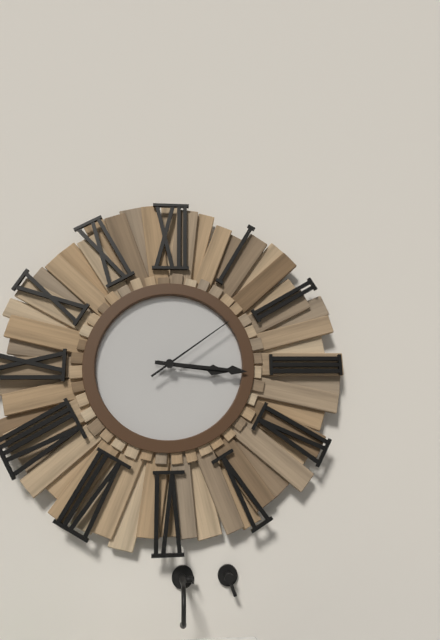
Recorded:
3.16.09
